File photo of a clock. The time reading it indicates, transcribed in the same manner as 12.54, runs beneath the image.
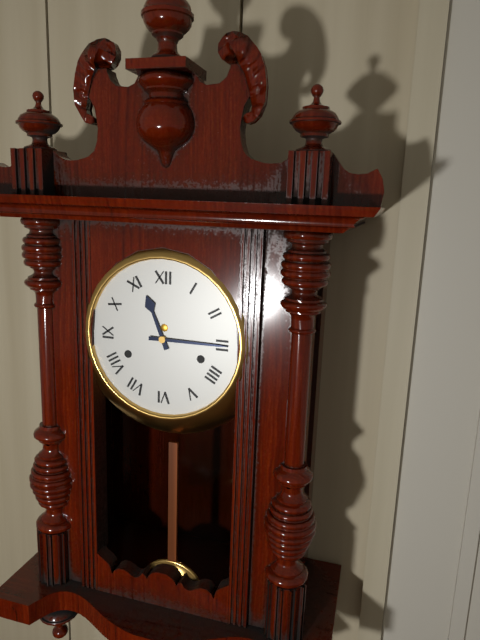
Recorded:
11.15
